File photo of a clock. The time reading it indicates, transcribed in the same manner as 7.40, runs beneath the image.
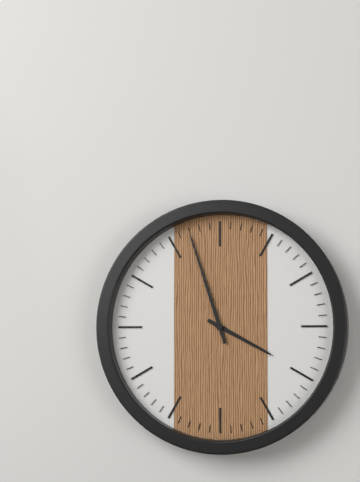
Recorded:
3.57
